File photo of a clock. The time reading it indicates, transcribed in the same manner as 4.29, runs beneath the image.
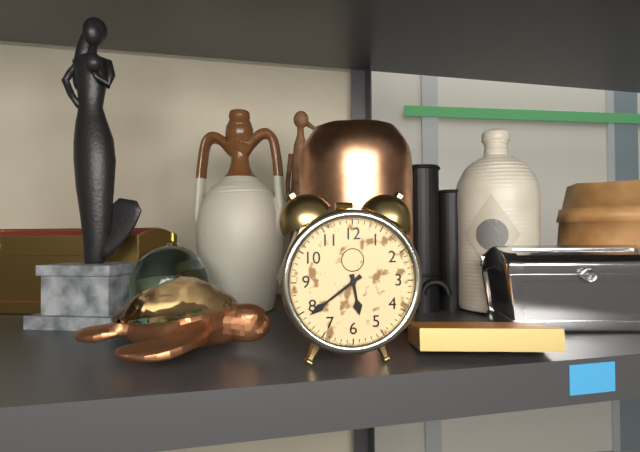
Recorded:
5.39
